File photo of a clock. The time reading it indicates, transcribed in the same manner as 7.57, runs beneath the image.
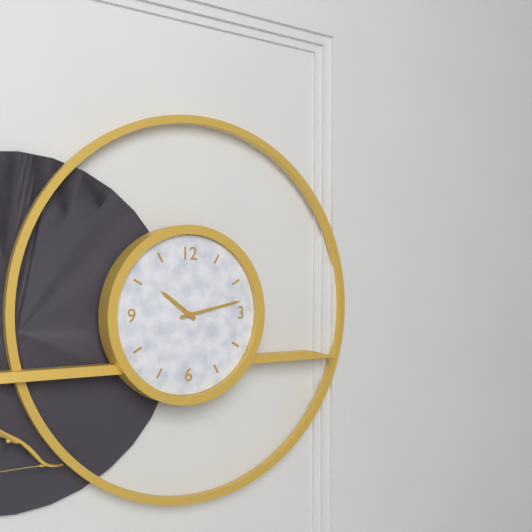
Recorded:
10.13
